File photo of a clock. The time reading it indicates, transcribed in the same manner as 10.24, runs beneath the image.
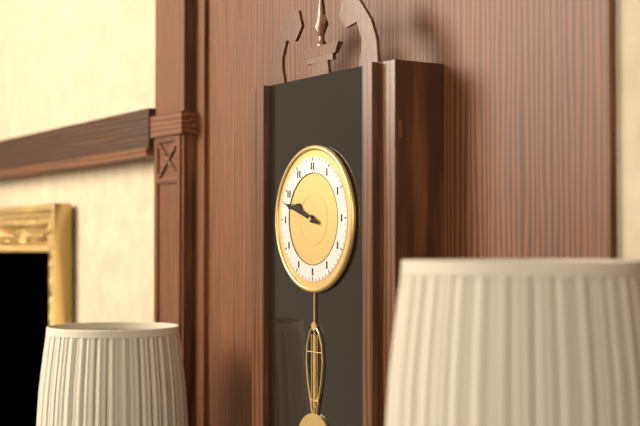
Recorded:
9.48
